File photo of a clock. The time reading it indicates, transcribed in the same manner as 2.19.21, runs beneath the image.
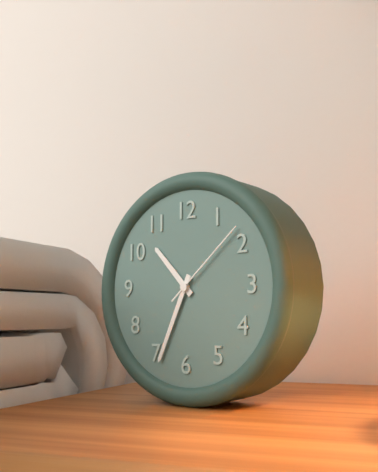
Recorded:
10.34.08
